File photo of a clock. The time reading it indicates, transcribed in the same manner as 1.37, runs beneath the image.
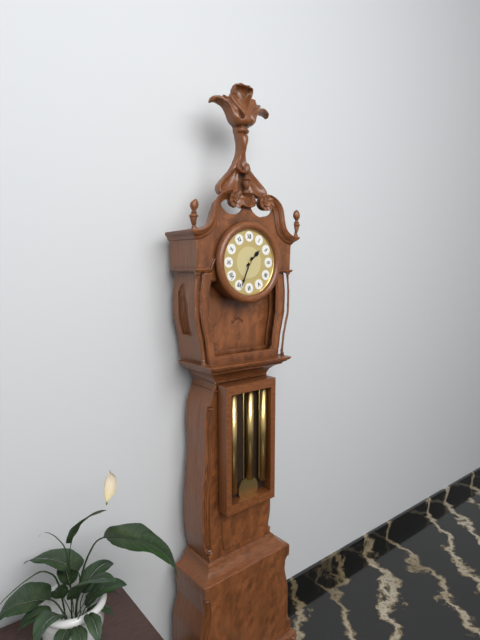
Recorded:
1.34
